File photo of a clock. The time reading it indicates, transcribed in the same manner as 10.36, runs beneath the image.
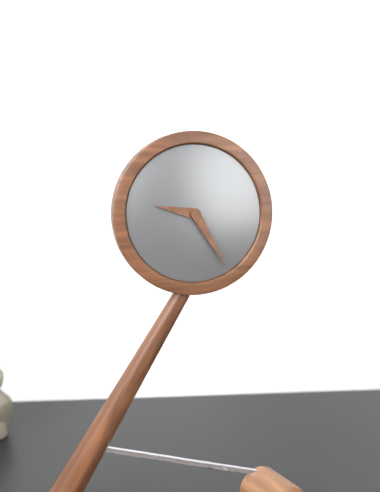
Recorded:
9.25
